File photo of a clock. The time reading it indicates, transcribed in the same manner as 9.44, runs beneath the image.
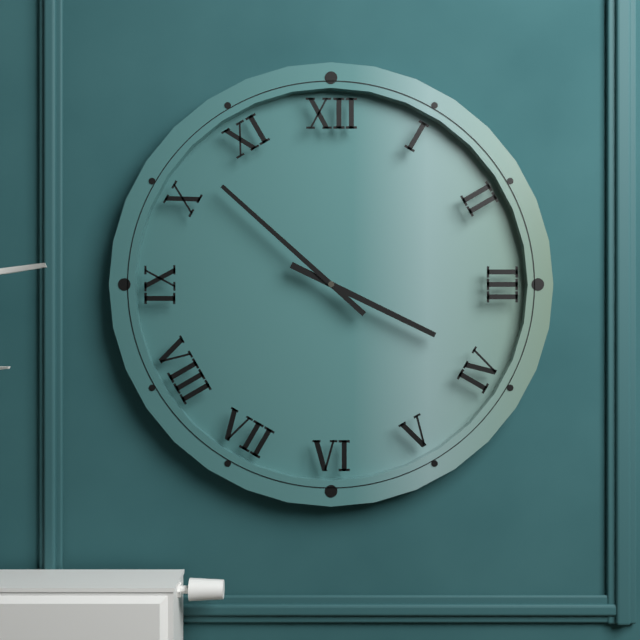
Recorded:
3.52
